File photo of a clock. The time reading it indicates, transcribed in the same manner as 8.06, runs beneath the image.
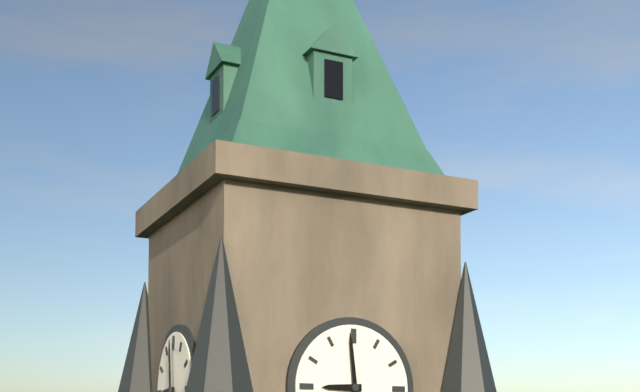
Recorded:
8.59
